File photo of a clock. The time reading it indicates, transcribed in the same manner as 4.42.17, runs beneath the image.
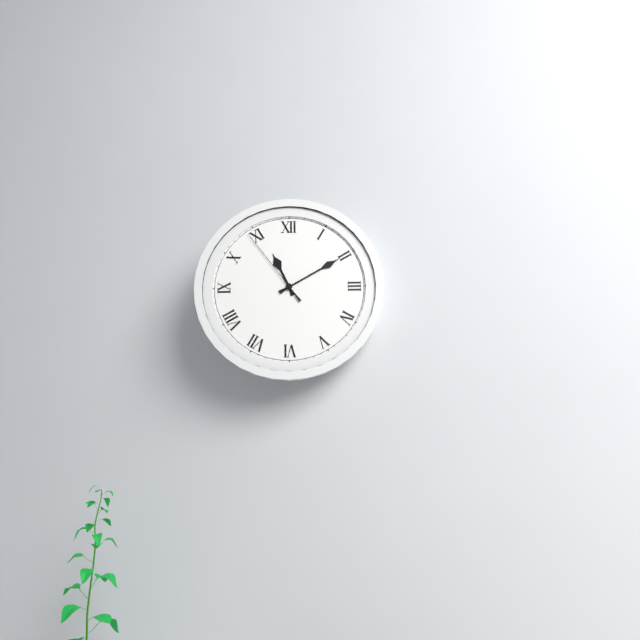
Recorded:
11.10.54
